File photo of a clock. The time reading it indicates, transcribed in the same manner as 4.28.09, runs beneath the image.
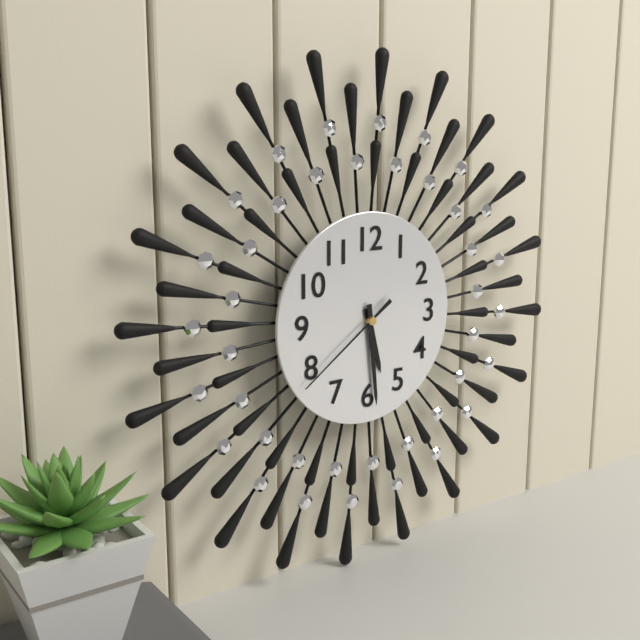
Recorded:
5.29.39
